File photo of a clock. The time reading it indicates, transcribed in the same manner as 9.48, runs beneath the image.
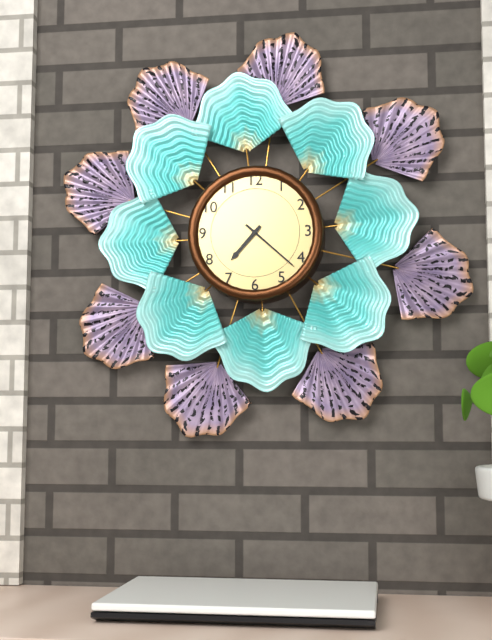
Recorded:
7.22
